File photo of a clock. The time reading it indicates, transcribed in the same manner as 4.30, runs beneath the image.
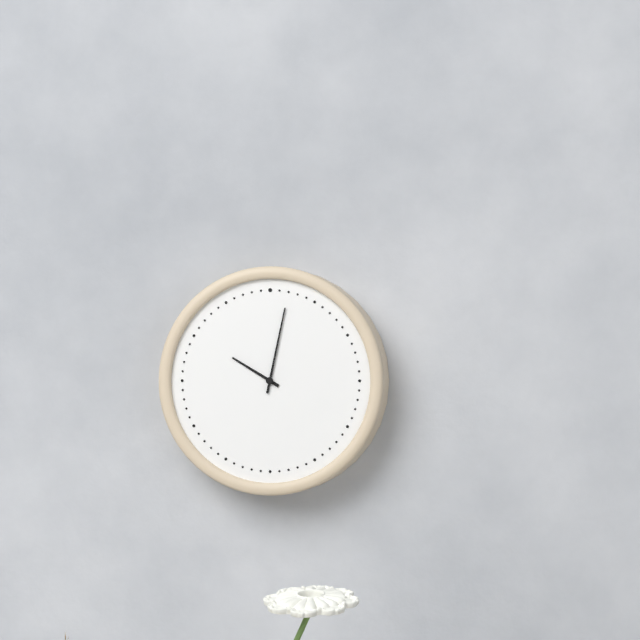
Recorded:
10.02
